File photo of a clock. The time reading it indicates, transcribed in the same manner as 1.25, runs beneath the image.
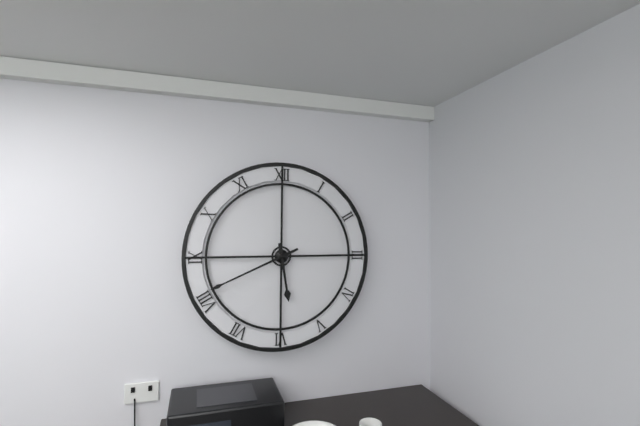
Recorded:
5.41
